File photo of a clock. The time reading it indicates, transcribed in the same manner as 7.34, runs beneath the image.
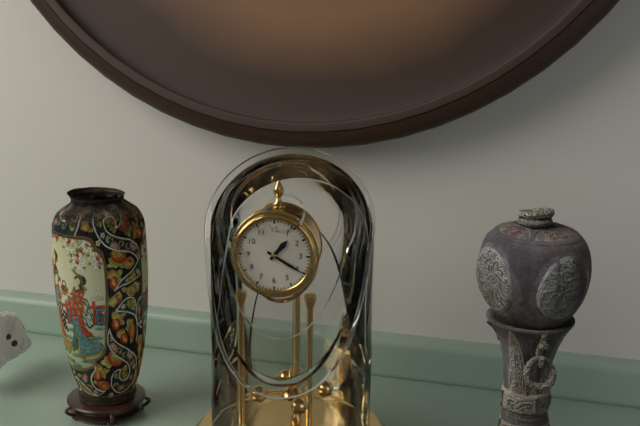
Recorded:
1.20
